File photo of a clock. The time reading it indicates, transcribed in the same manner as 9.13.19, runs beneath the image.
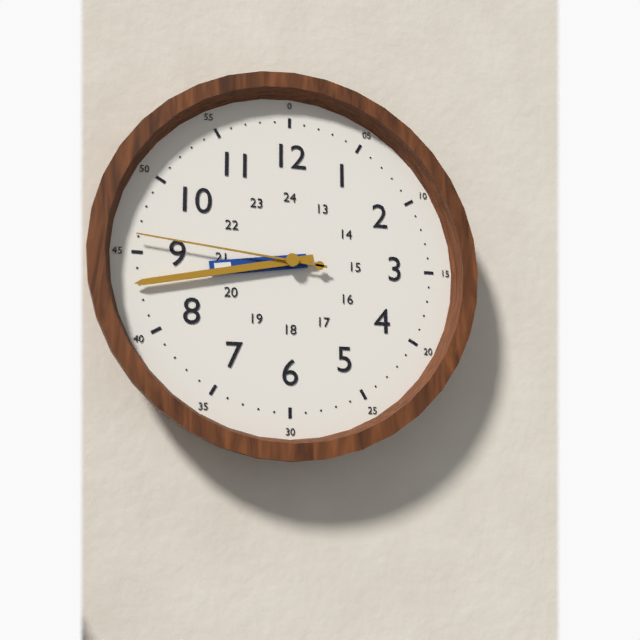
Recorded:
8.43.46
